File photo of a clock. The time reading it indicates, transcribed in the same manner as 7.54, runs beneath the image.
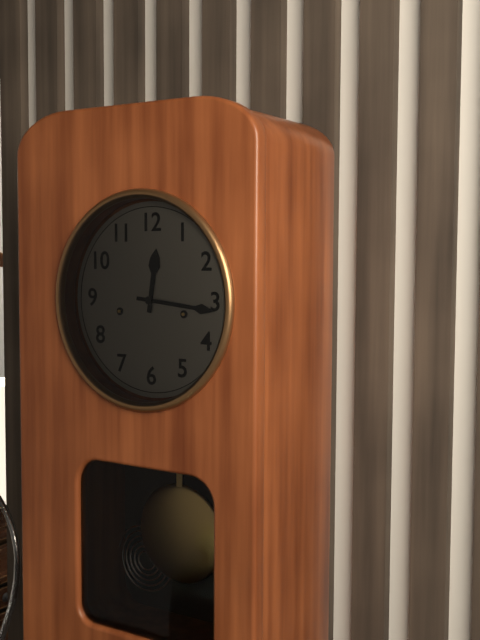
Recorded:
12.16
